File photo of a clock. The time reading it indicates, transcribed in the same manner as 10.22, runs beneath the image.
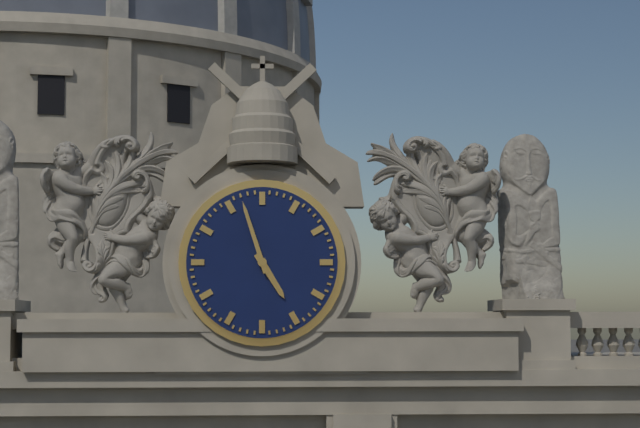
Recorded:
4.57
